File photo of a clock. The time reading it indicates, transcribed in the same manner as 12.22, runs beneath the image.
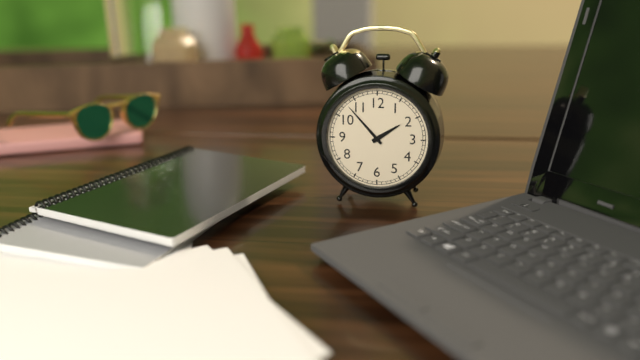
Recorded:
1.53
